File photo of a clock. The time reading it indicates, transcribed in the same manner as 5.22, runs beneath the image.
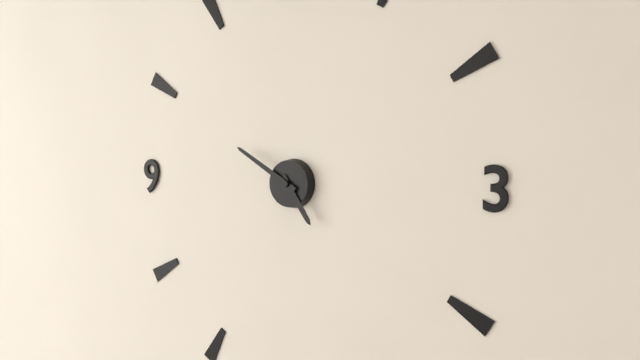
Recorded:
4.50
